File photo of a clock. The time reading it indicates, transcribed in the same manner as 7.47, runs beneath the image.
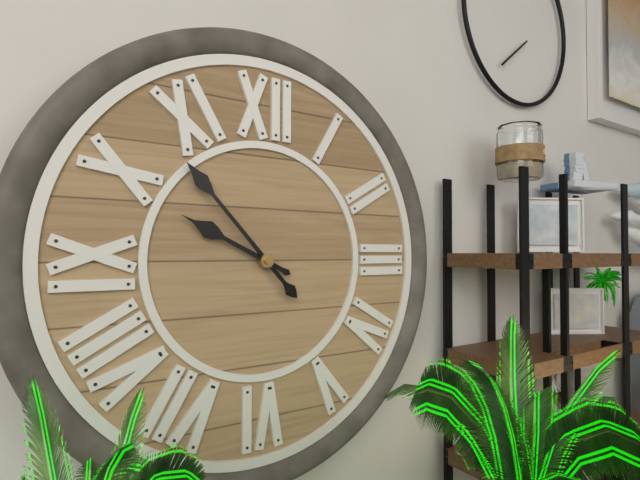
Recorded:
9.53
